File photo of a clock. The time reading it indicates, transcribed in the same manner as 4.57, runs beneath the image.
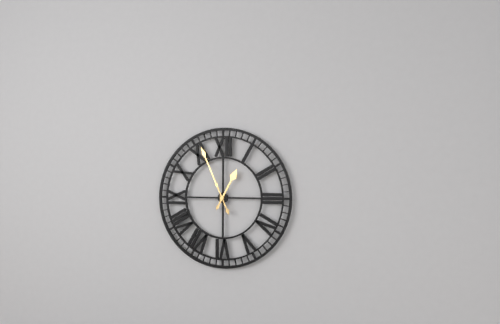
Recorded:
12.56
